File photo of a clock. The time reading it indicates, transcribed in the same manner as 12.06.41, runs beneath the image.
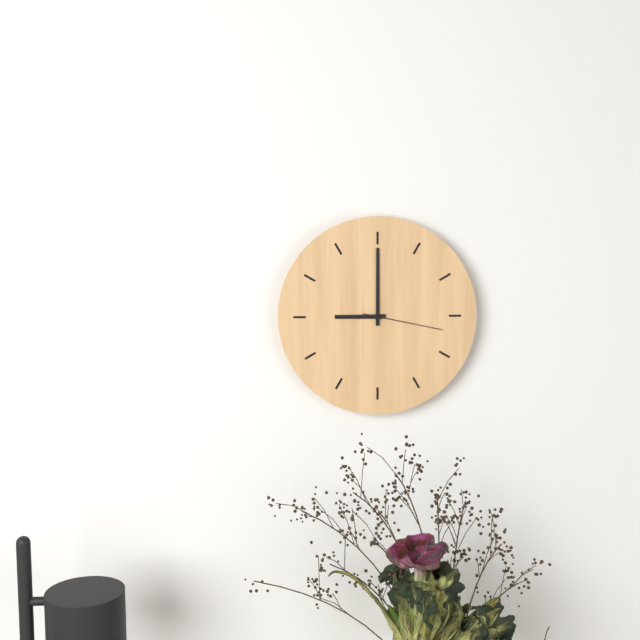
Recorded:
9.00.17
